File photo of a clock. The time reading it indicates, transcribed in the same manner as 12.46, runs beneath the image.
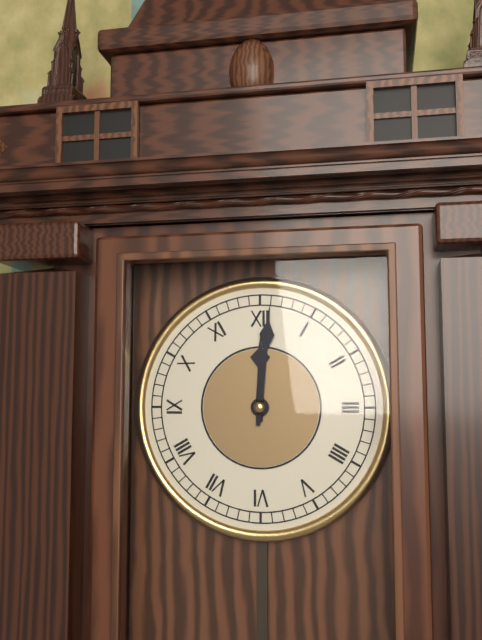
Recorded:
12.01
